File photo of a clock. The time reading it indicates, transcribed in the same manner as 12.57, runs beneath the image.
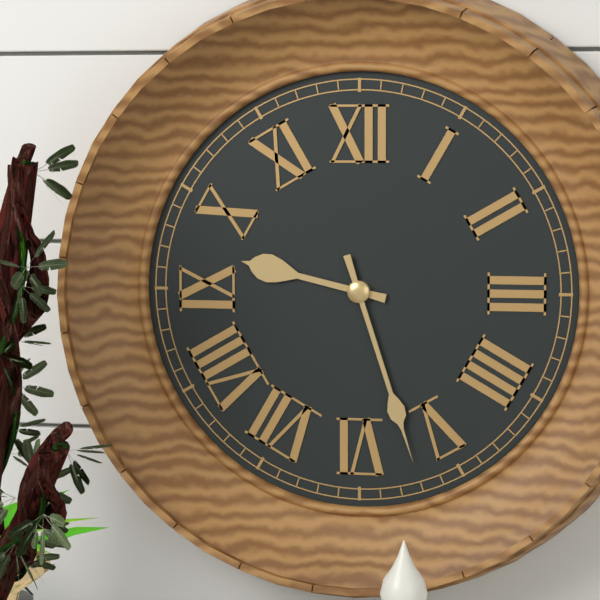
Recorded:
9.27
